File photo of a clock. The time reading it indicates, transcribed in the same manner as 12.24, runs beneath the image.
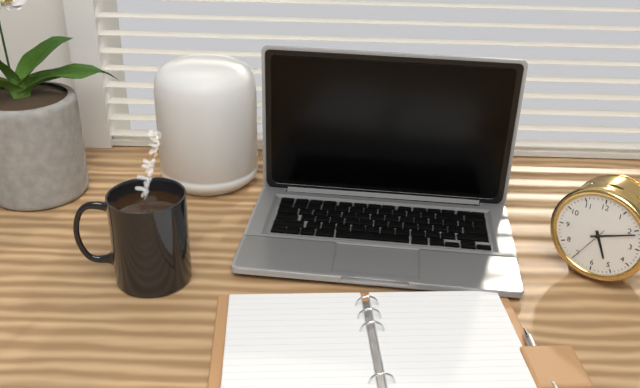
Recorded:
5.11
